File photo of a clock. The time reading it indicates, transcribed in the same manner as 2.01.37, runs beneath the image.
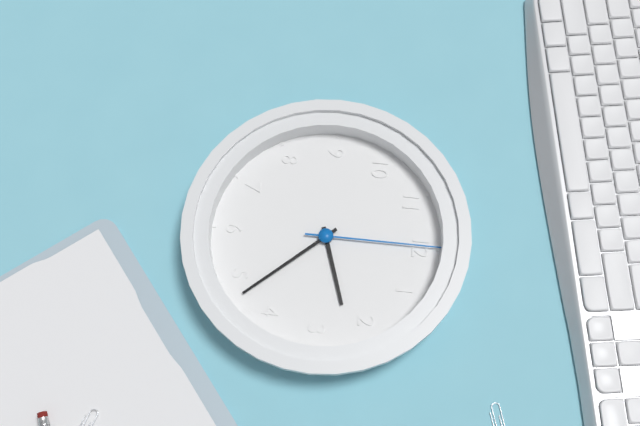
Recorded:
2.23.00
